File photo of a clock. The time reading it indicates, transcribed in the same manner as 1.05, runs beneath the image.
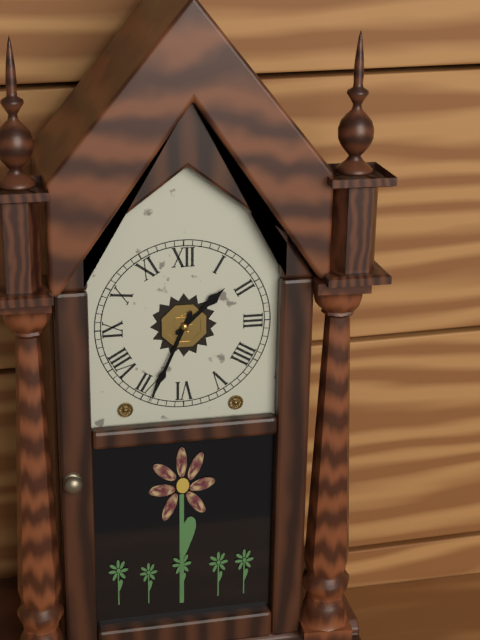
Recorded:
1.34
